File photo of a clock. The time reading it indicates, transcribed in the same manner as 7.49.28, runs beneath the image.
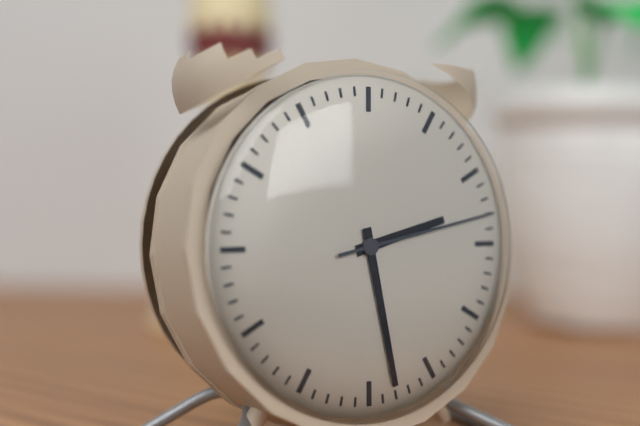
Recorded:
2.28.13
